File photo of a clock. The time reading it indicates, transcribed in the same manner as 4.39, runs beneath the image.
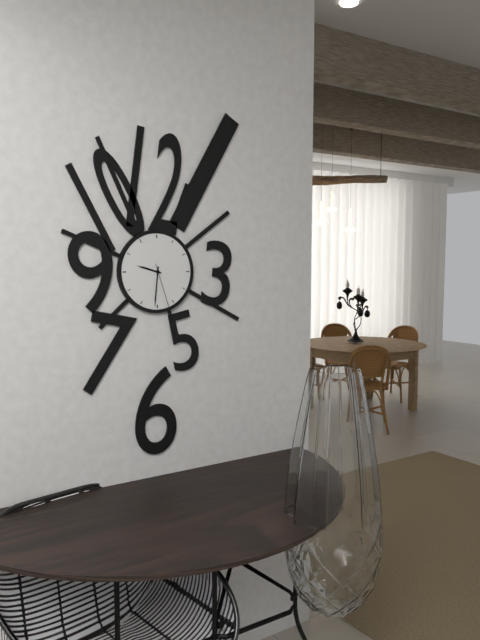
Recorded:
9.31
